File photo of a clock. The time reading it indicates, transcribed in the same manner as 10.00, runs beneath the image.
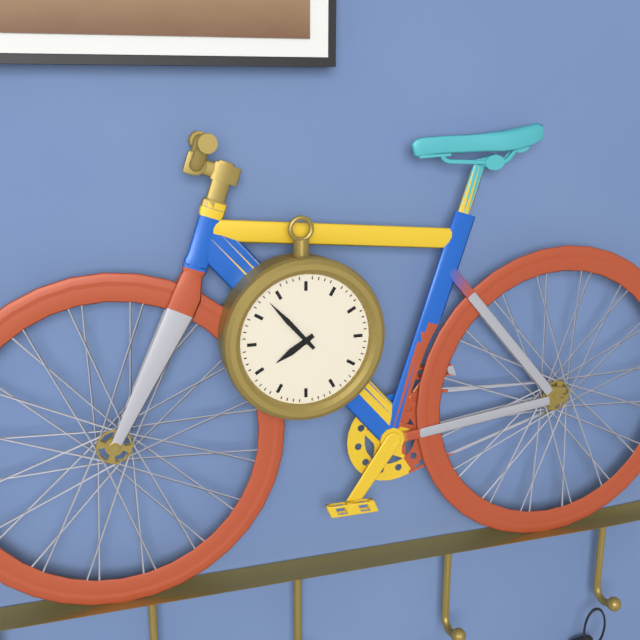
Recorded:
7.53
